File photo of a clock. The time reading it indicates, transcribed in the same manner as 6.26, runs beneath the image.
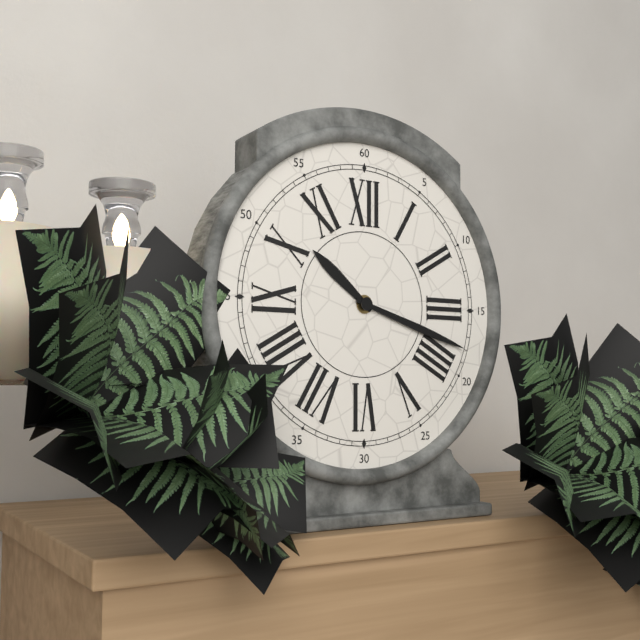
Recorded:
10.18
